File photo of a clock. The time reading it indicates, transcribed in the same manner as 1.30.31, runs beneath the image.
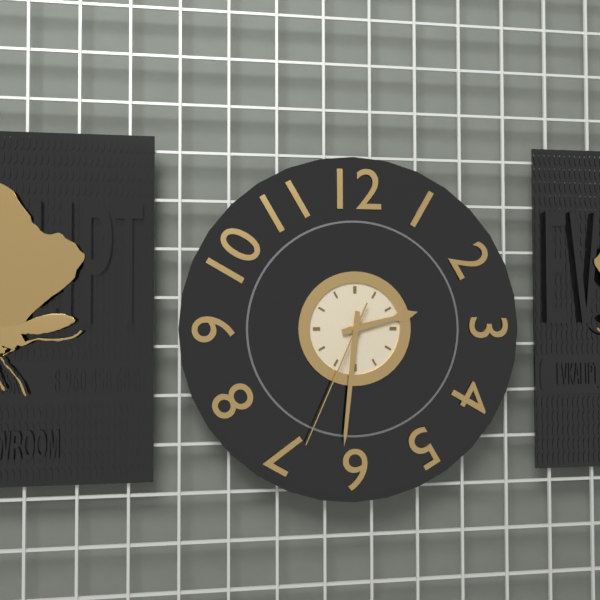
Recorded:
2.31.34
